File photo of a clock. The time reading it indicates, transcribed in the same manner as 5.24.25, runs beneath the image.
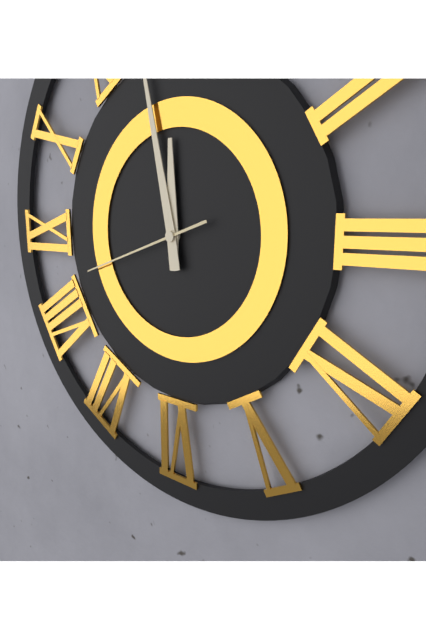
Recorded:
11.58.42
